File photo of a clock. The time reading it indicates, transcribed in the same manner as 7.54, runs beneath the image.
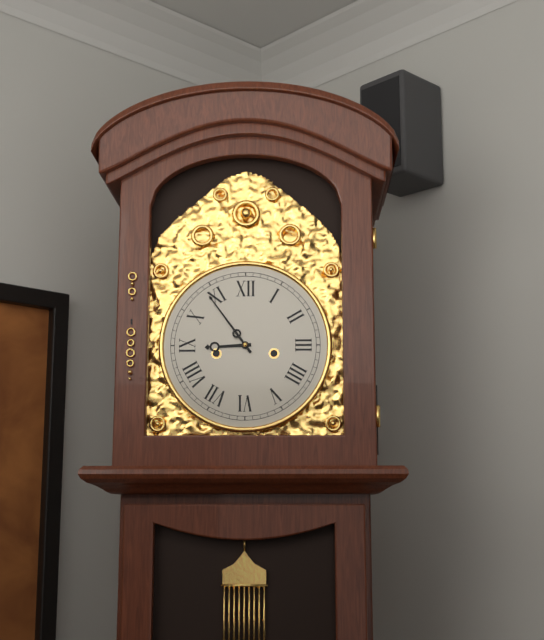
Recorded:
8.54
